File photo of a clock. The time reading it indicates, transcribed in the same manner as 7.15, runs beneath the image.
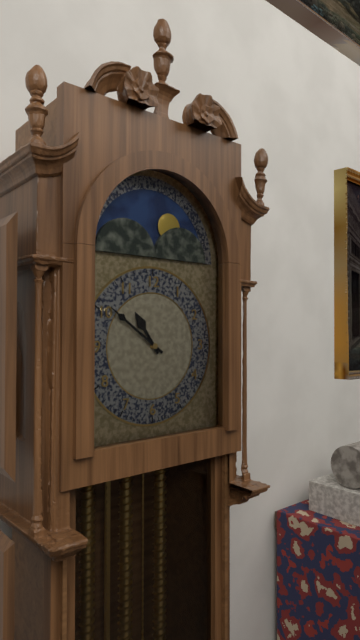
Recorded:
10.51
